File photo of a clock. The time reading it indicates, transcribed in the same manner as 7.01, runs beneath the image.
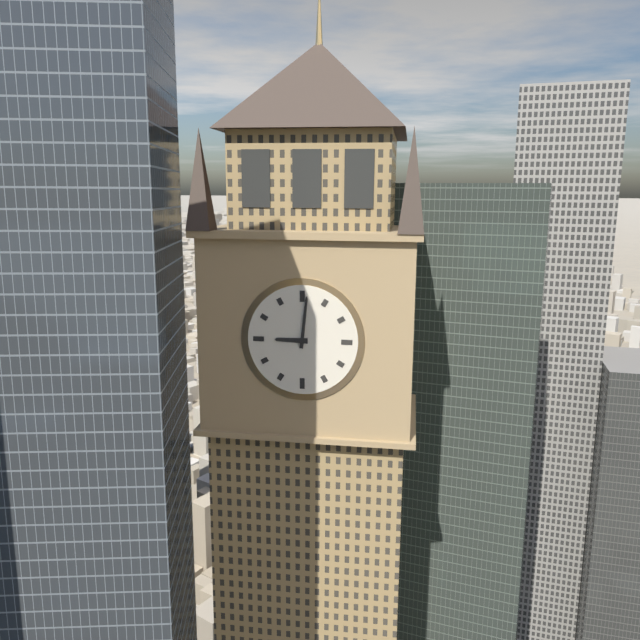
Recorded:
9.01
